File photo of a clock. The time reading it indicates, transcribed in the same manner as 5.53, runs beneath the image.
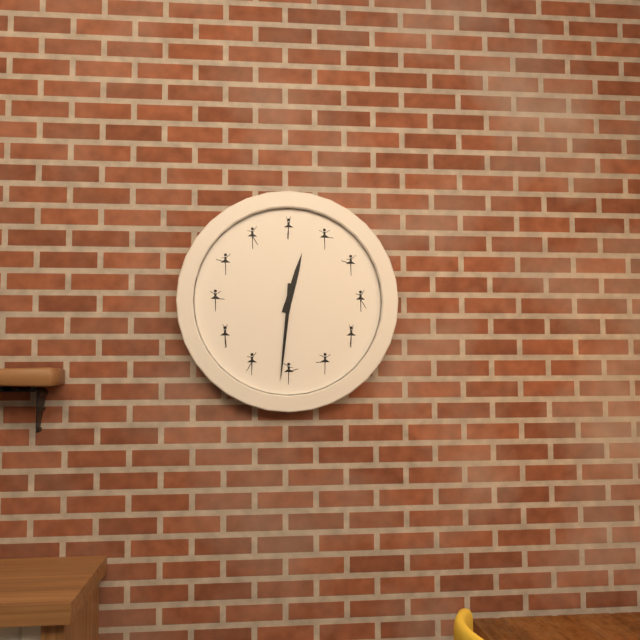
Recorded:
12.31
